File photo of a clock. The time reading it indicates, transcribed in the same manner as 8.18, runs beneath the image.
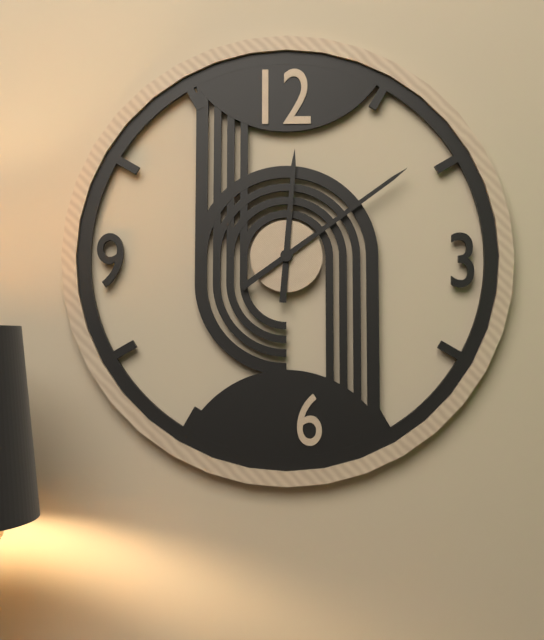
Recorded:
12.09
